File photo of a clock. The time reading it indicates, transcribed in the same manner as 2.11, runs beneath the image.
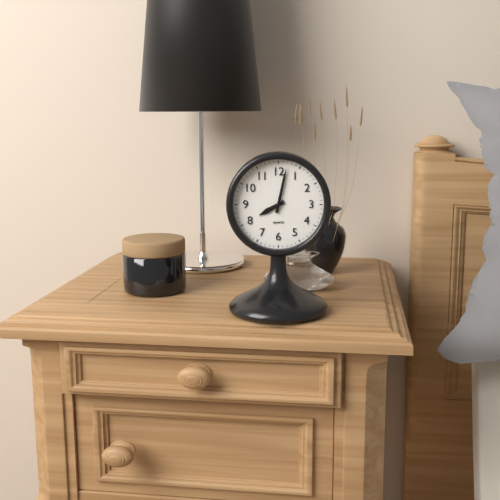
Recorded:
8.02
